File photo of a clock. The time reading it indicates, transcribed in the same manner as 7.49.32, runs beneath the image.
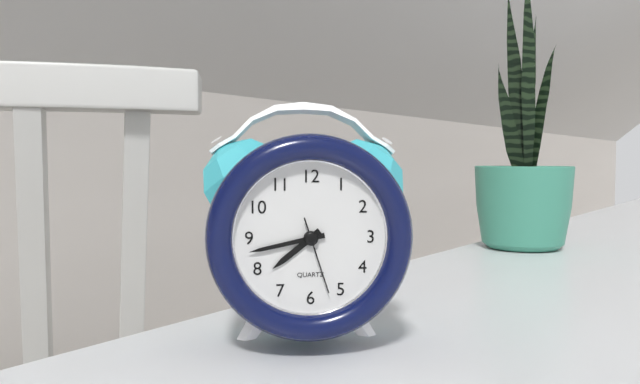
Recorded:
7.43.27
